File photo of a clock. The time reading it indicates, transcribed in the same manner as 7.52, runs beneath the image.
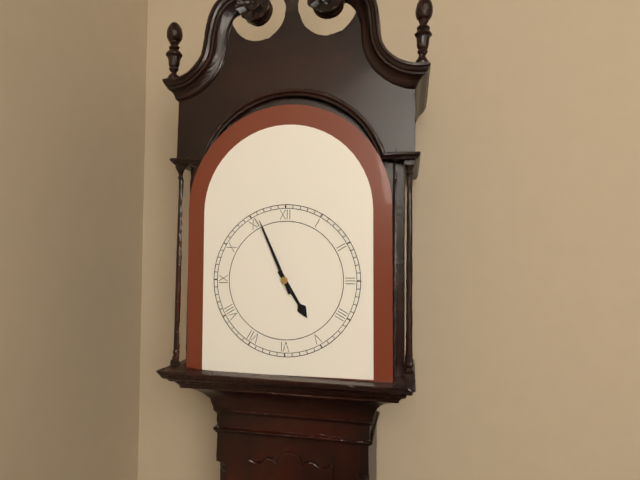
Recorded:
4.56
